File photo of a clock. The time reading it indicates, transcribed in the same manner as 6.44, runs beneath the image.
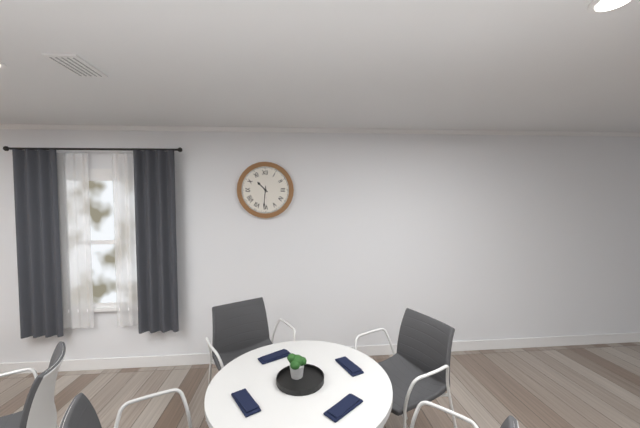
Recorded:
10.31
